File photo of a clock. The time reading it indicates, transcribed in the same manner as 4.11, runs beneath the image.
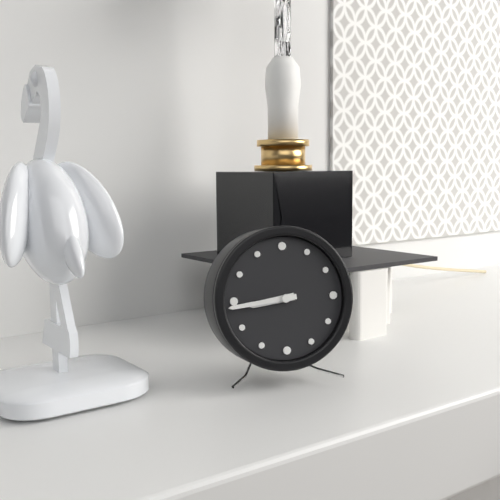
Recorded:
8.44
